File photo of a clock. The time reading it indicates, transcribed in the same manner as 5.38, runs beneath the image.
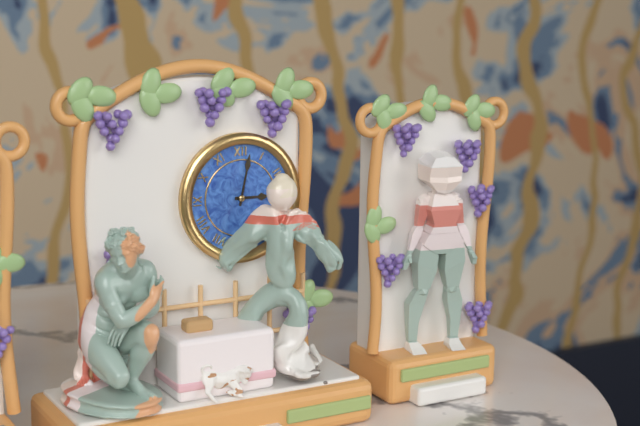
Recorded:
3.02
